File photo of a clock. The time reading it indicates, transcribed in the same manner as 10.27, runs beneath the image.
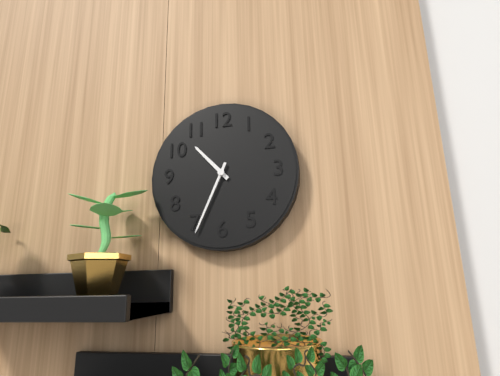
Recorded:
10.34
